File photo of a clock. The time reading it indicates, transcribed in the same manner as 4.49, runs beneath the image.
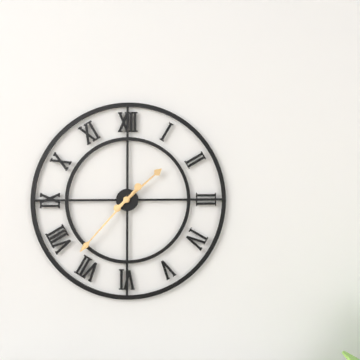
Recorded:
1.37
